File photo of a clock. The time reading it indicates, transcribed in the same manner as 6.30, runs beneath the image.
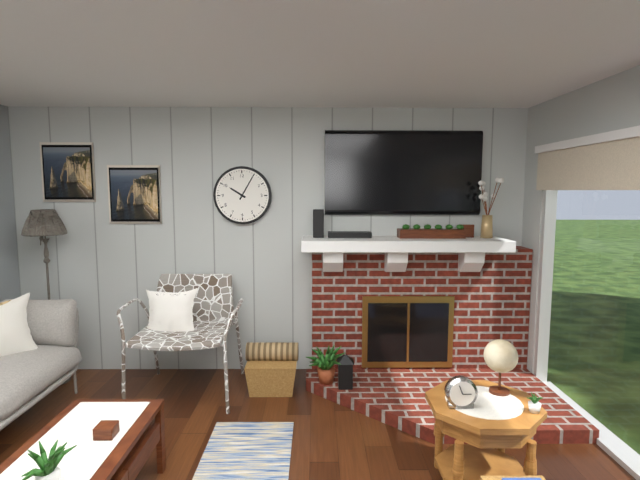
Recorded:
10.05
